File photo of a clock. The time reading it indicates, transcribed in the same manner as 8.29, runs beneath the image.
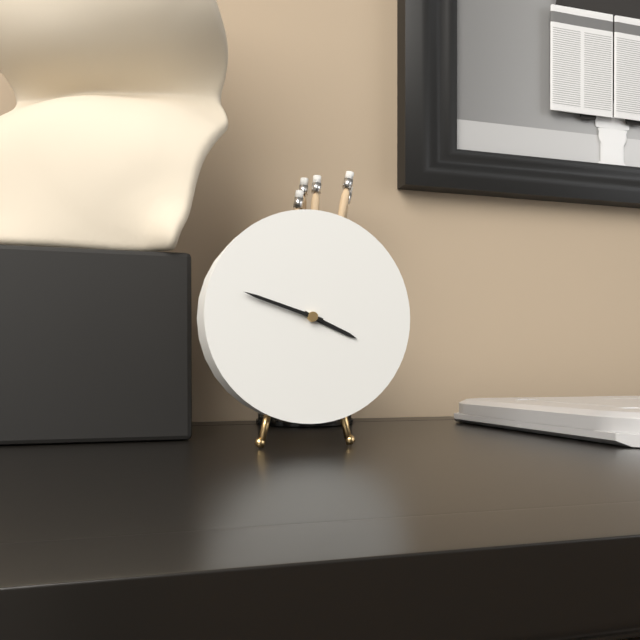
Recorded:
3.48
